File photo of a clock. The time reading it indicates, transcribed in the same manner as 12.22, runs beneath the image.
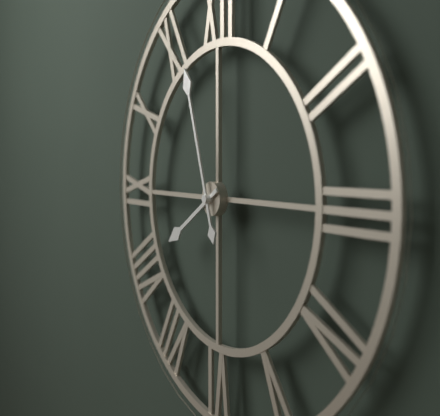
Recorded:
7.57
